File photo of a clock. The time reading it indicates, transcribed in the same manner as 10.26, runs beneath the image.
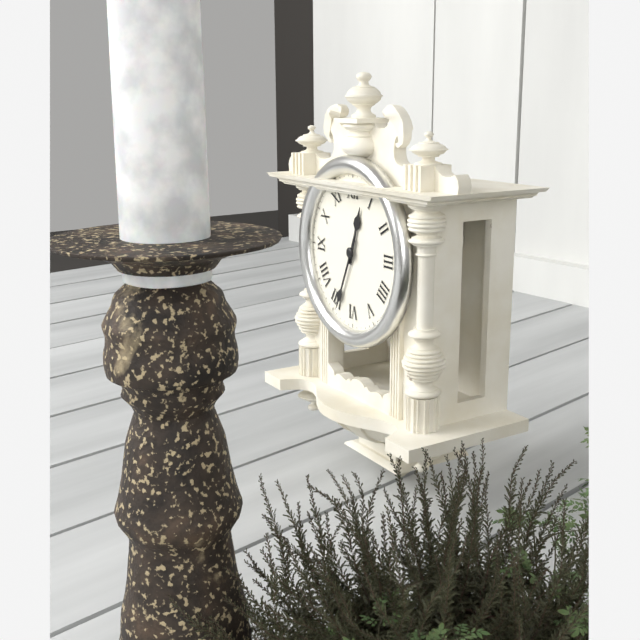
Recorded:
12.34
